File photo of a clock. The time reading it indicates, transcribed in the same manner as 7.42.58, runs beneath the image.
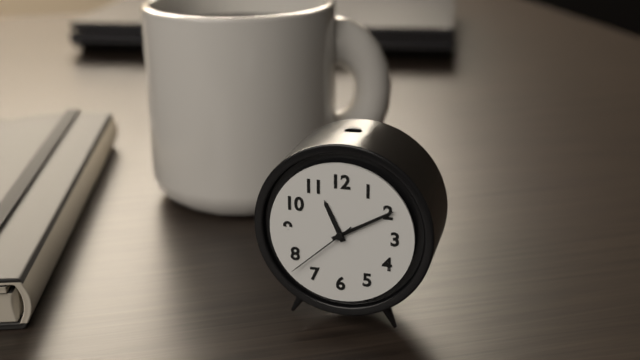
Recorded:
11.10.38
